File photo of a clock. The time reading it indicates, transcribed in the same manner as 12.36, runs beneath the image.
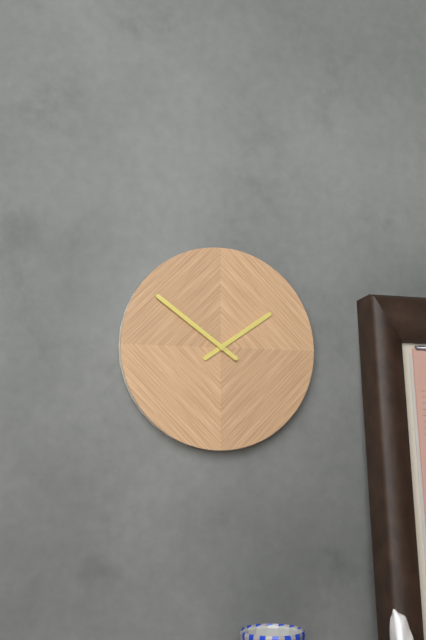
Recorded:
1.51
